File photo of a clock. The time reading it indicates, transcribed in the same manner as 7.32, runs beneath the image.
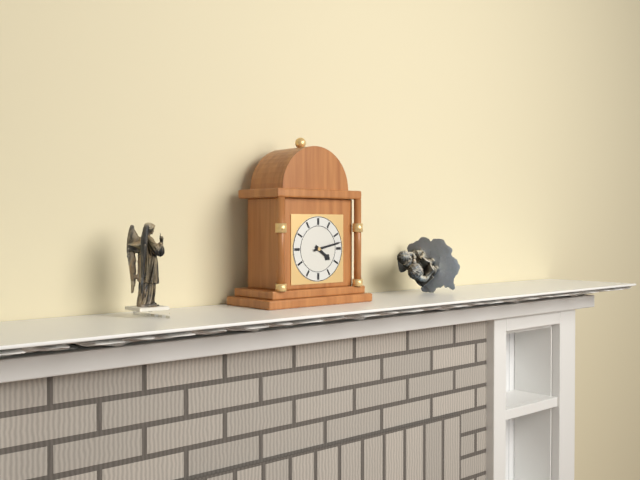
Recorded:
4.13
